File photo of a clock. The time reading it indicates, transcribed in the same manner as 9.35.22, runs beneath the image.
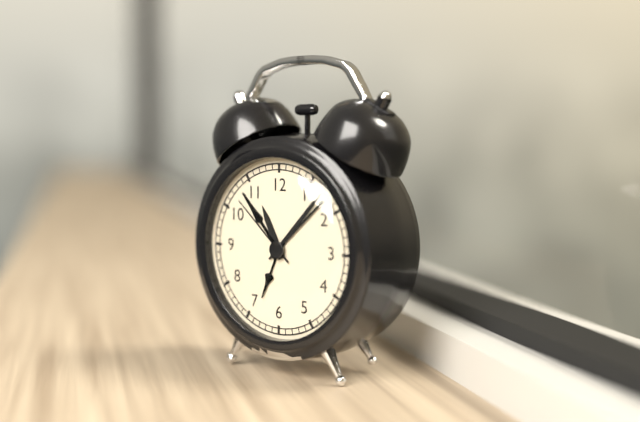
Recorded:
11.07.52
